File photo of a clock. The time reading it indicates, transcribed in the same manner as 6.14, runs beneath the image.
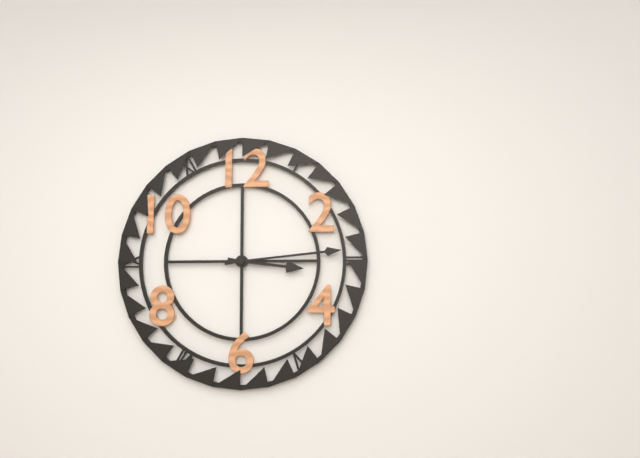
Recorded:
3.14
